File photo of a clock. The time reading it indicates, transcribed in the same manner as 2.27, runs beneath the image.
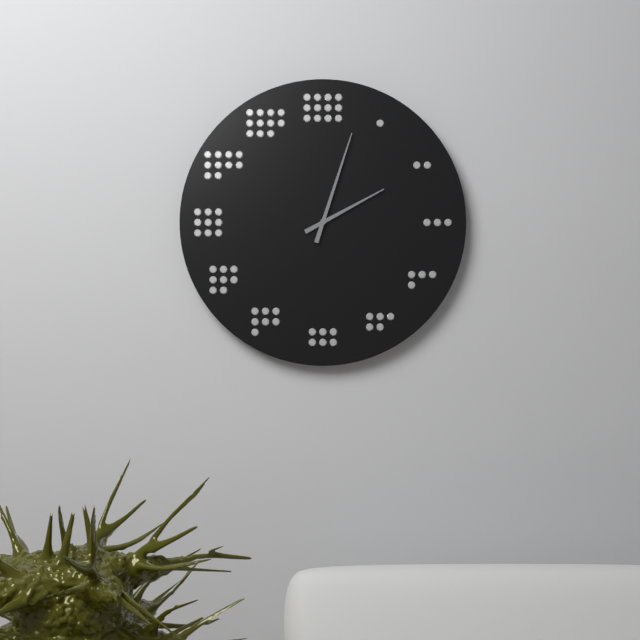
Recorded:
2.03
